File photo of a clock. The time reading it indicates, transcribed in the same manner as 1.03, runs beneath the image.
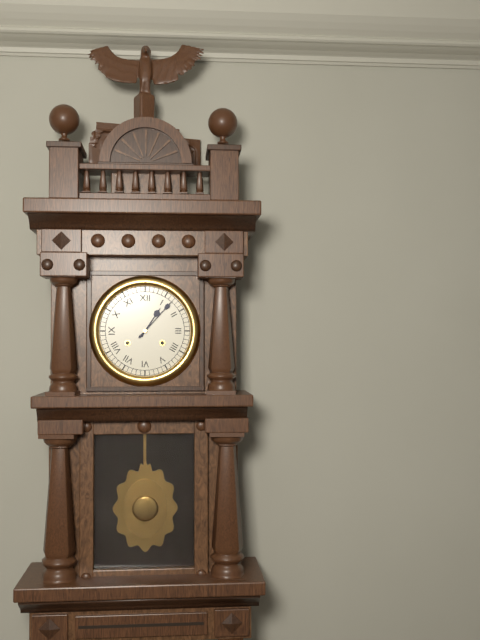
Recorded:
1.07
